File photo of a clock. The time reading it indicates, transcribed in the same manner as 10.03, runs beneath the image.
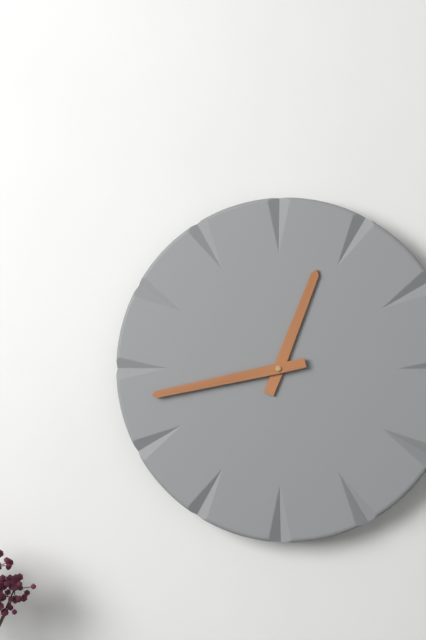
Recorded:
12.43
